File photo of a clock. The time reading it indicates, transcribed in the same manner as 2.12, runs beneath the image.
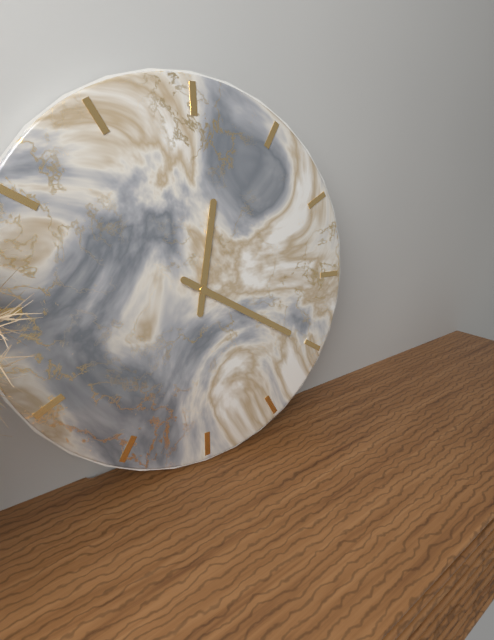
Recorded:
12.20
